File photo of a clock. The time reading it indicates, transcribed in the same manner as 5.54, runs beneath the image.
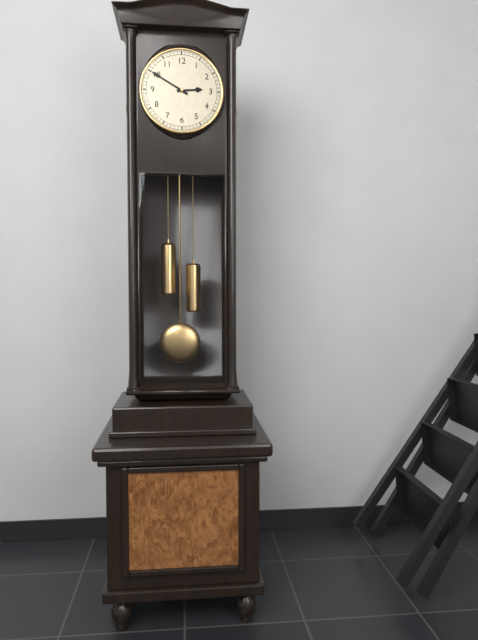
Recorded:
2.50
